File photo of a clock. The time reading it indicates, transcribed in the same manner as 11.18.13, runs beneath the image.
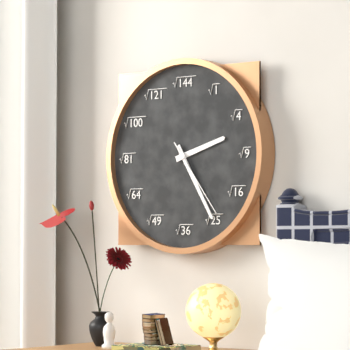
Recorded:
2.25.24
